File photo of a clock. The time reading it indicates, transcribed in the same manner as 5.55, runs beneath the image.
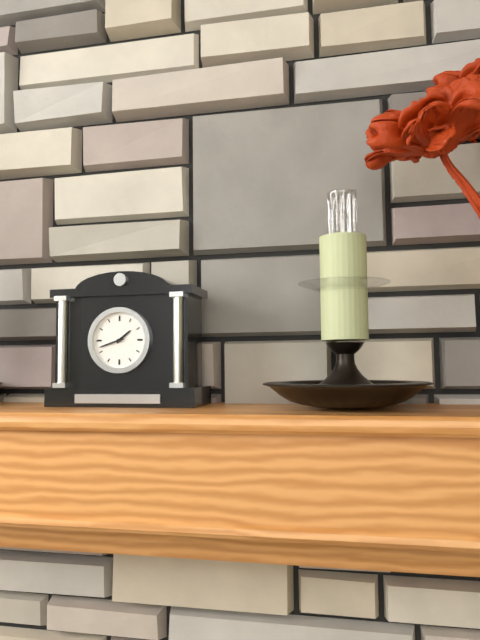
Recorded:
1.42
